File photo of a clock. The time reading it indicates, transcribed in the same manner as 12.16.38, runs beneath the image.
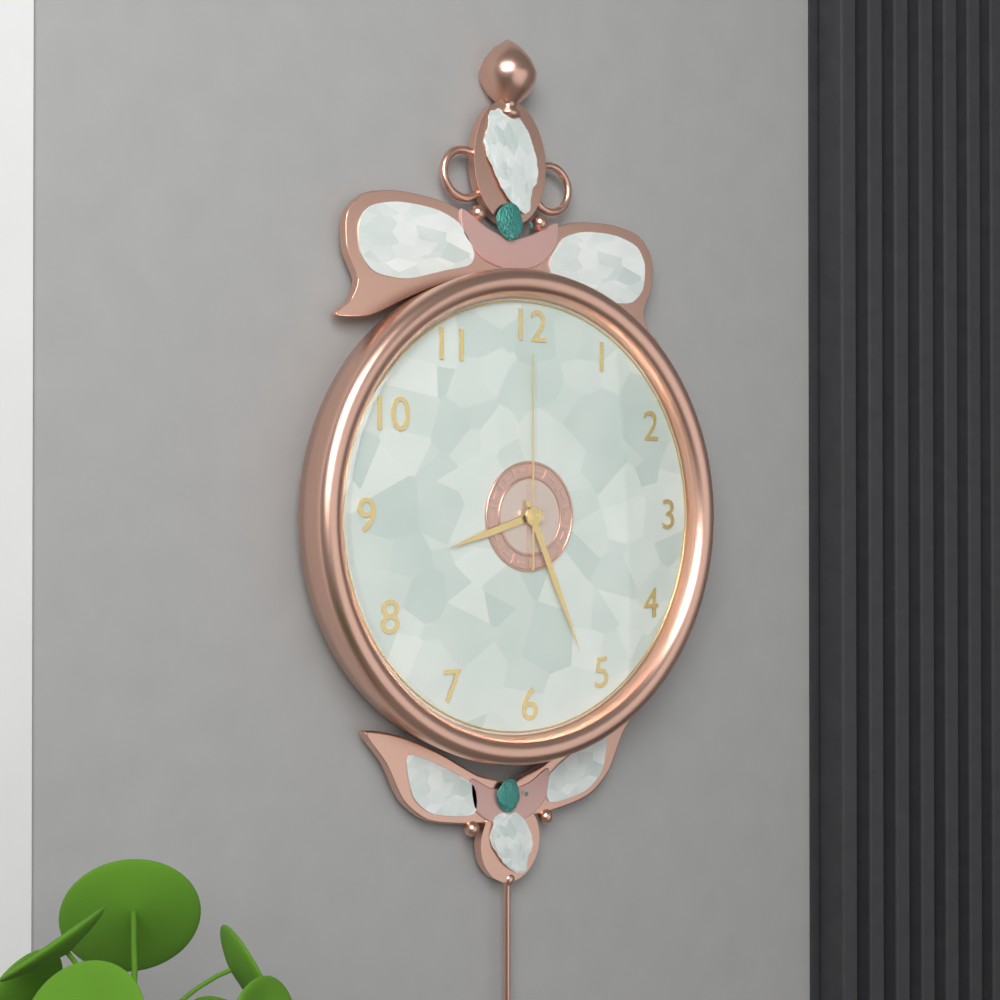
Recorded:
8.26.00
